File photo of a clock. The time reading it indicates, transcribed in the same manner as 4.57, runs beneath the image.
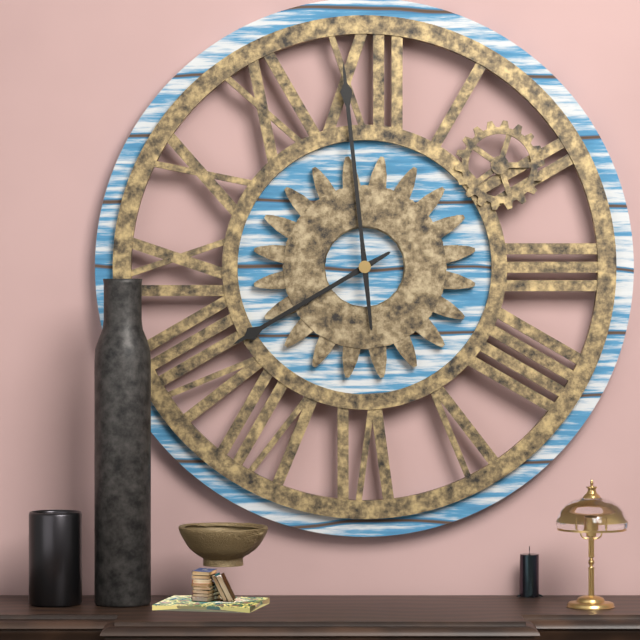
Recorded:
7.59
